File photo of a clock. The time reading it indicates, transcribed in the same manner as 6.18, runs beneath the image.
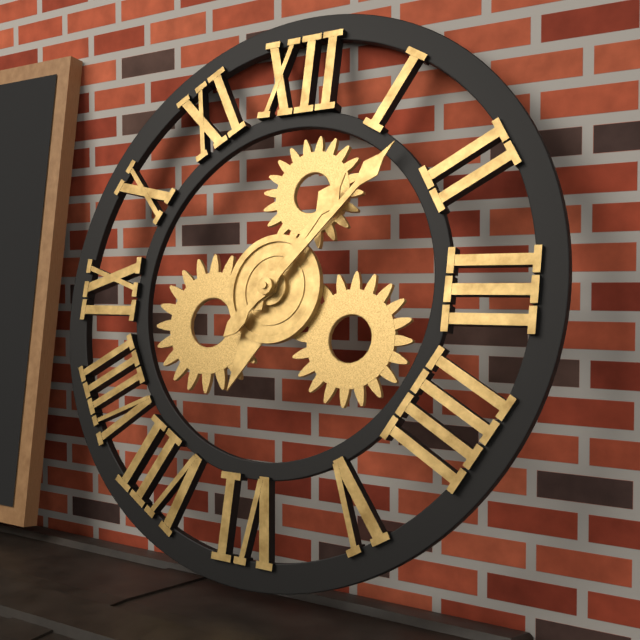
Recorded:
1.07
